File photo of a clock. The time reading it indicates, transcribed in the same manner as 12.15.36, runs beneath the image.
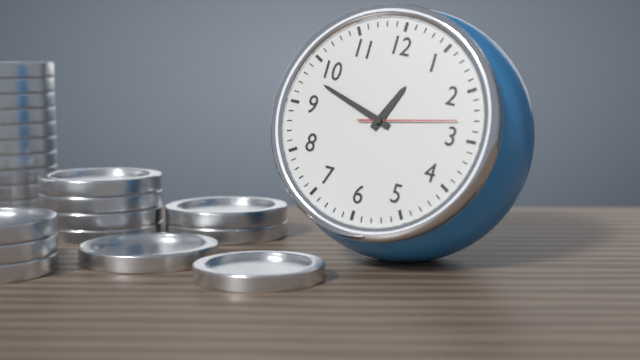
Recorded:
12.48.13
